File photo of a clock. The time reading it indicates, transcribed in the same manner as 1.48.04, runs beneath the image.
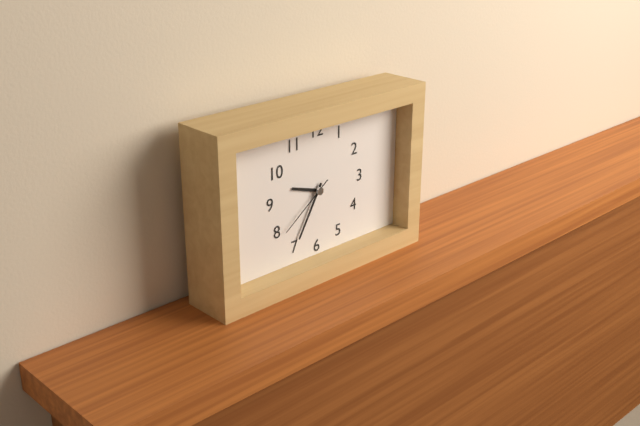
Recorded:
9.35.39
